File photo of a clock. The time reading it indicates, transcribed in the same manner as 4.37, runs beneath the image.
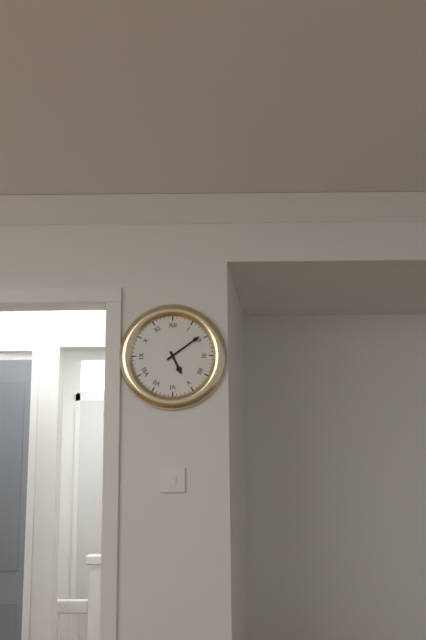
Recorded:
5.09
